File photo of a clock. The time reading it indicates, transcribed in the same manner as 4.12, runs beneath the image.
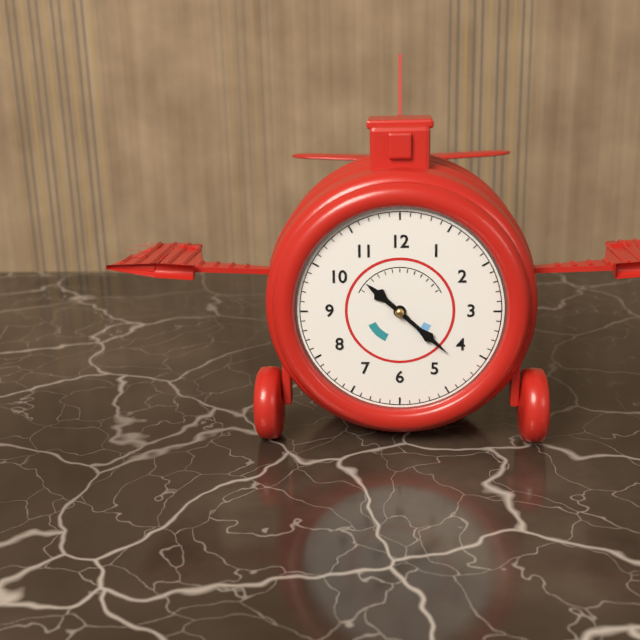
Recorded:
10.22
